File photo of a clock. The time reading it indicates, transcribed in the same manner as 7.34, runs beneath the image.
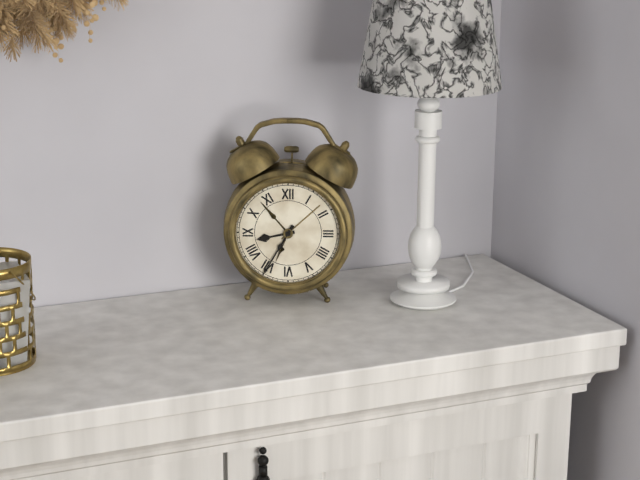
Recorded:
8.35
